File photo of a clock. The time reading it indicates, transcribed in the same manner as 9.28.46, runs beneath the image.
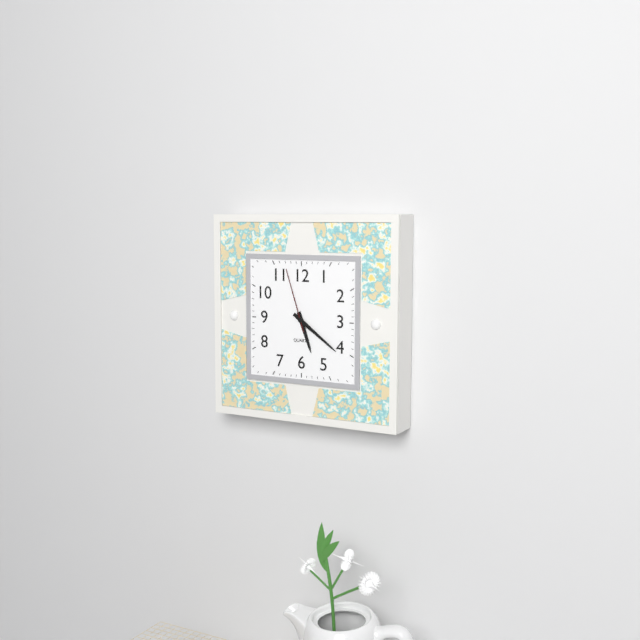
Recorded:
5.21.57
